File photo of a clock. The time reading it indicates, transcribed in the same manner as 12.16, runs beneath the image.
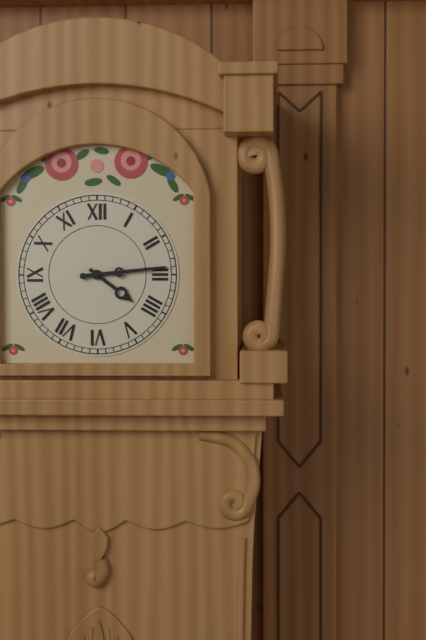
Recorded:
4.14
